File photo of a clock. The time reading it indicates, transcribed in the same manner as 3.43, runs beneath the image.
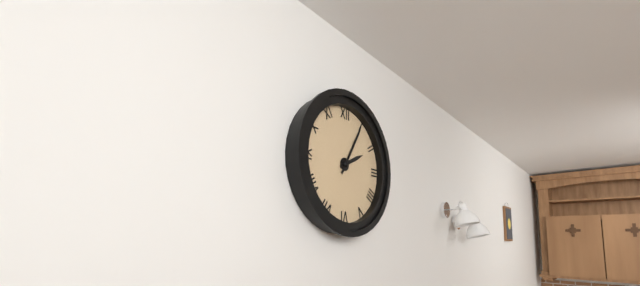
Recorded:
2.05
